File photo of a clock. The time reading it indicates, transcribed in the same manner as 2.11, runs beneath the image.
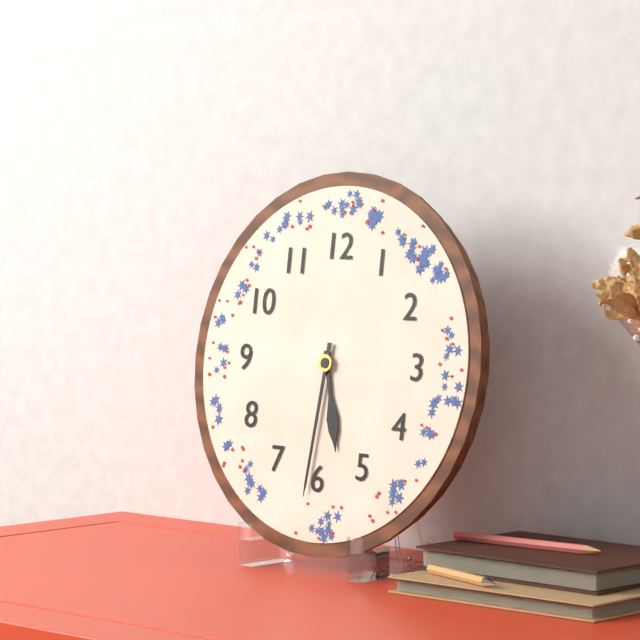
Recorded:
5.31
